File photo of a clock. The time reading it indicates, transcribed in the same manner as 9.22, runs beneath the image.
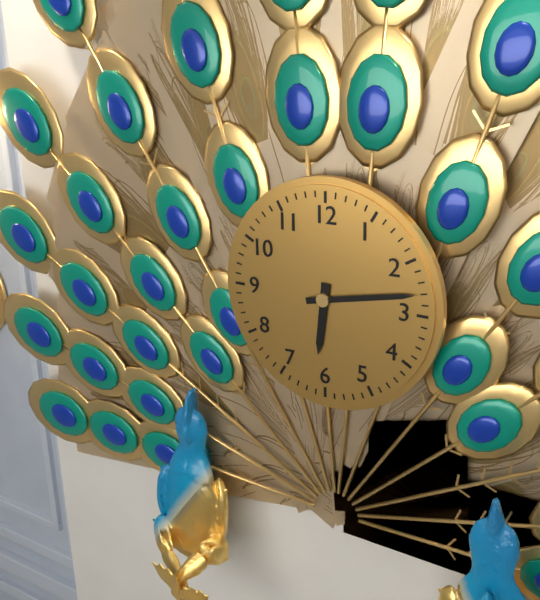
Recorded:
6.13
